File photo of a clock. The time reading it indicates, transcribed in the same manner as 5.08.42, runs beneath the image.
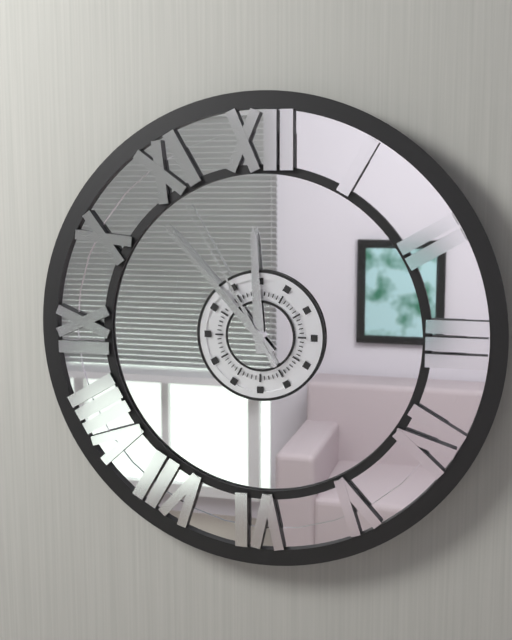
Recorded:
11.53.55
